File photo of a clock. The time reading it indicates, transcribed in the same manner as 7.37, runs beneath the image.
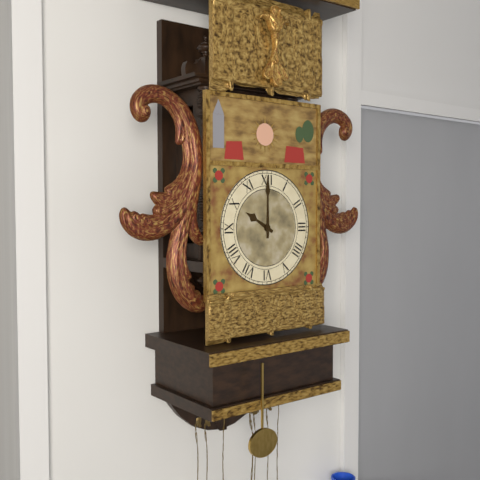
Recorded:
10.00
